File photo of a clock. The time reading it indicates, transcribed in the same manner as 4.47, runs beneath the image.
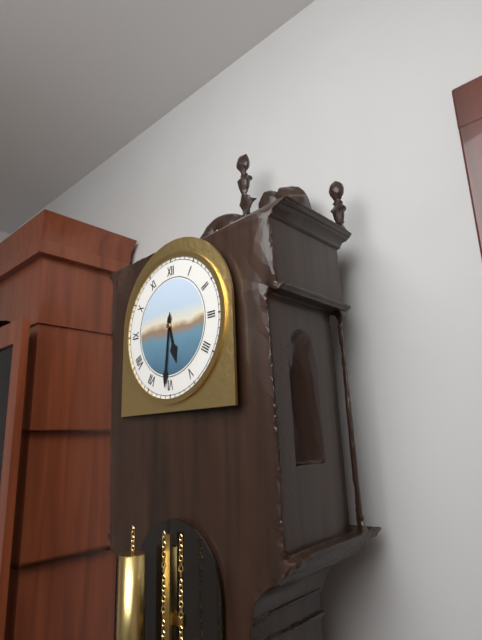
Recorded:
5.31
